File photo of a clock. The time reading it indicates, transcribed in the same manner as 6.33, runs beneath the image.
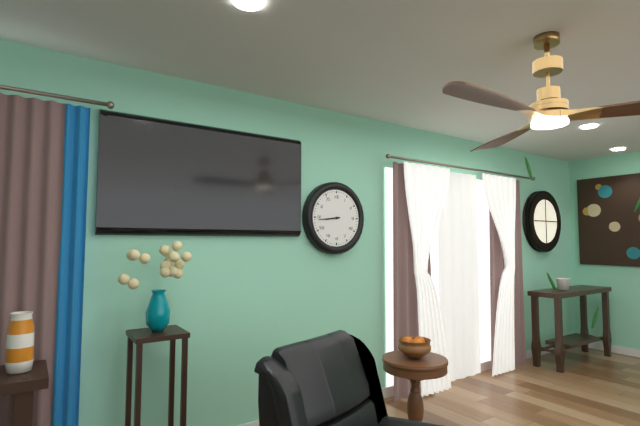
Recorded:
8.44
